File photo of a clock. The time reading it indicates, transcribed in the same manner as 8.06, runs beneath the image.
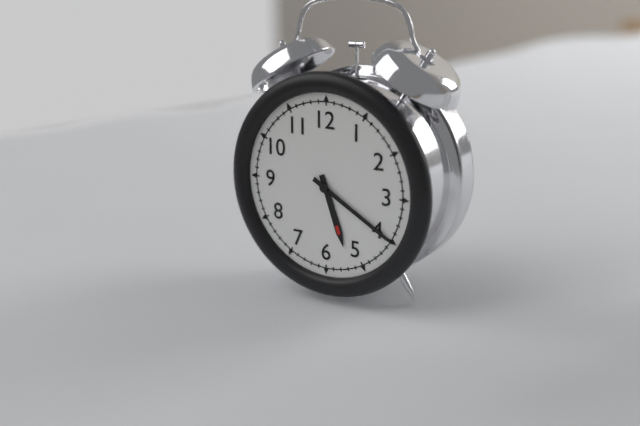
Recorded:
5.20
